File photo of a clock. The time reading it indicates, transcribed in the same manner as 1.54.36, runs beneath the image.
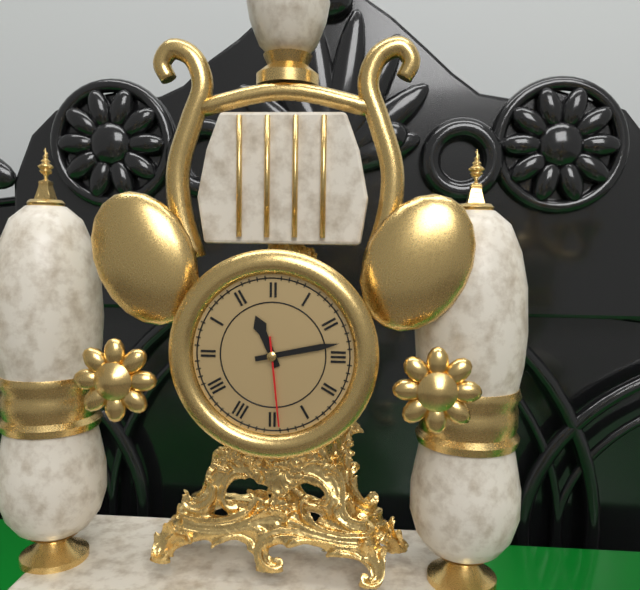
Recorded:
11.13.29
